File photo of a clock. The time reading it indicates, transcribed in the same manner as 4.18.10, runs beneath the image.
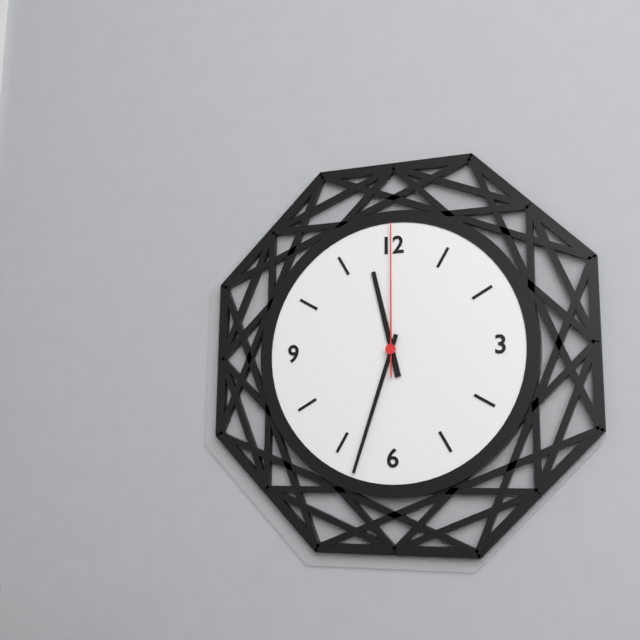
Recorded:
11.33.00
